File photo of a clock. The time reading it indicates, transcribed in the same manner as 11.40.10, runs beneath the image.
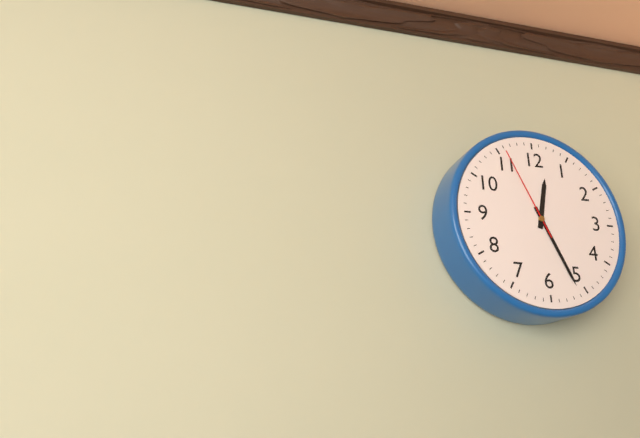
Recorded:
12.26.56
